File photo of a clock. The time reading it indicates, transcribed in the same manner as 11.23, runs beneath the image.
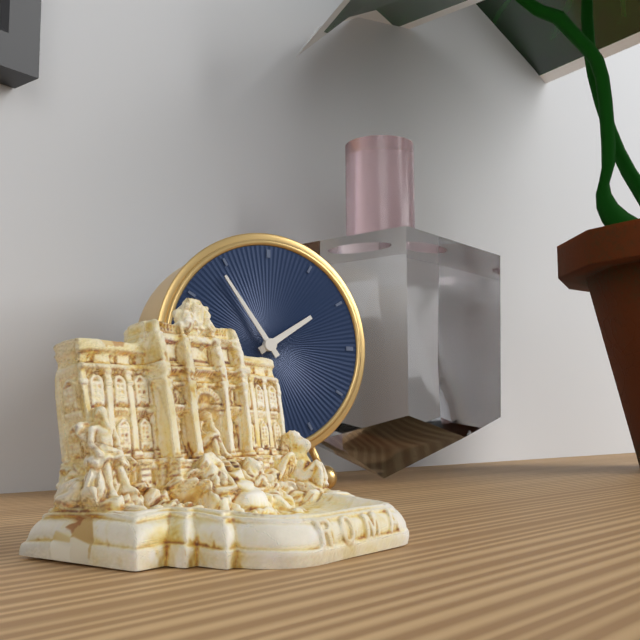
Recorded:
1.54
